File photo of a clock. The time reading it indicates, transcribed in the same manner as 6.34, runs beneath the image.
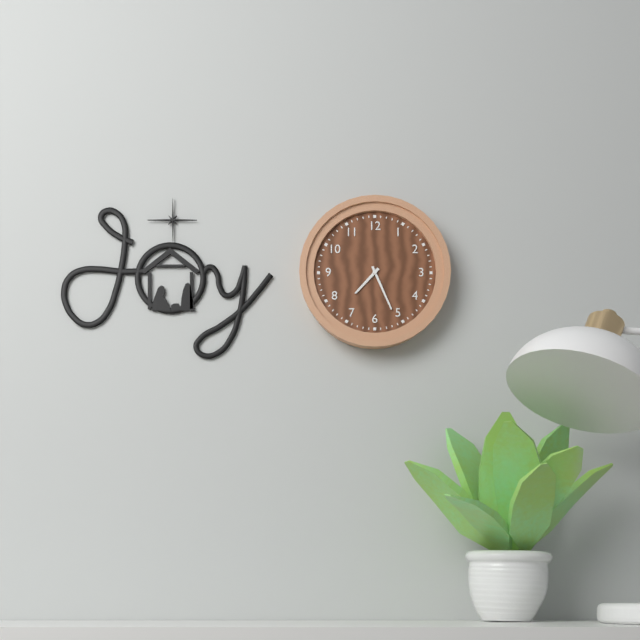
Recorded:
7.26
